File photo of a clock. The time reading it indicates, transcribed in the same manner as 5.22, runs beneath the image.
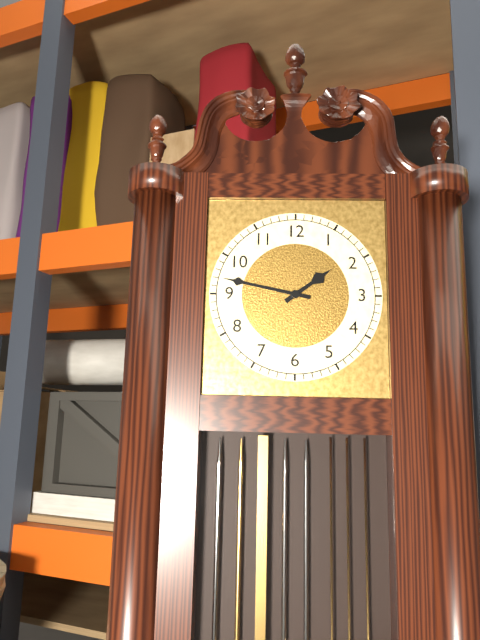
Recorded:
1.47
